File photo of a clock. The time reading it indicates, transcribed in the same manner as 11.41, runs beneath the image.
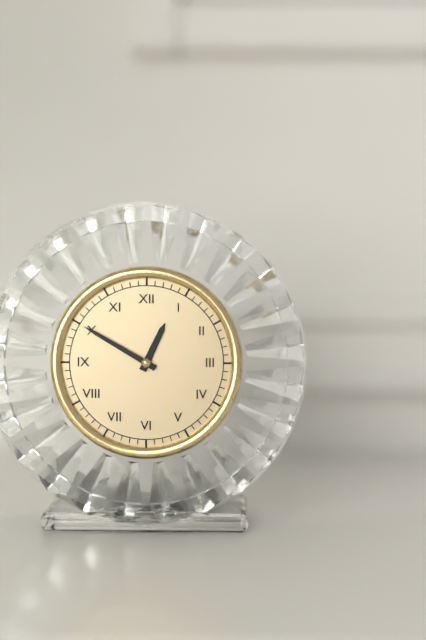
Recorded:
12.50
